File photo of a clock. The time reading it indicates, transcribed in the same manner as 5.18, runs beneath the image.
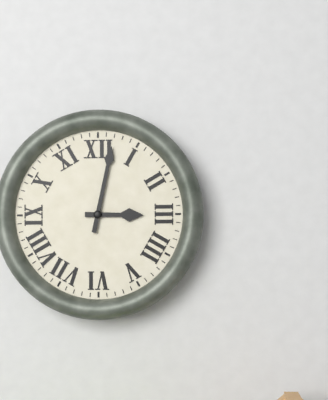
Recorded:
3.02
